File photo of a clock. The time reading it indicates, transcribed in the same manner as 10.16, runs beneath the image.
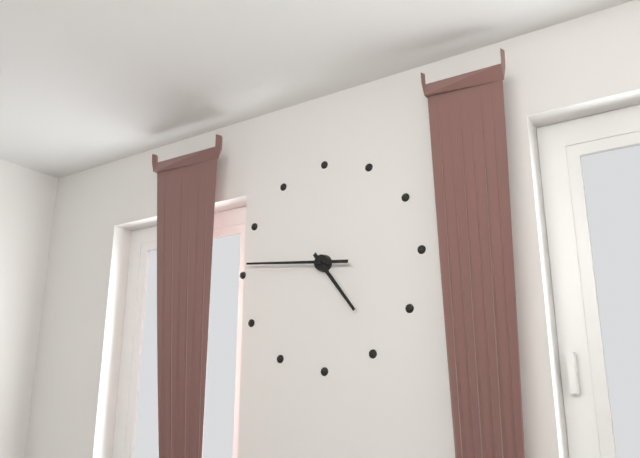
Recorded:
4.46
